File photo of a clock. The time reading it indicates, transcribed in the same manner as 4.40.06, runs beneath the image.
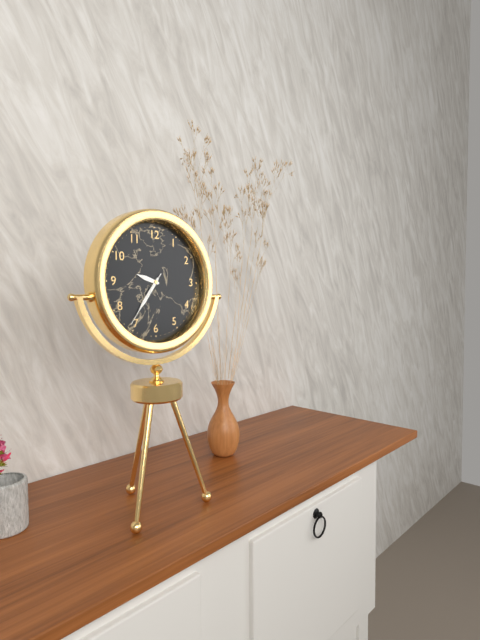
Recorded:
9.36.36
